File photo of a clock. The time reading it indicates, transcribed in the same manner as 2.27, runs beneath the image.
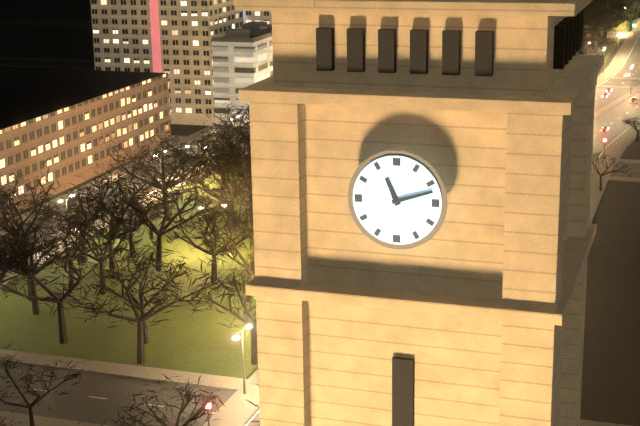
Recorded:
11.12
